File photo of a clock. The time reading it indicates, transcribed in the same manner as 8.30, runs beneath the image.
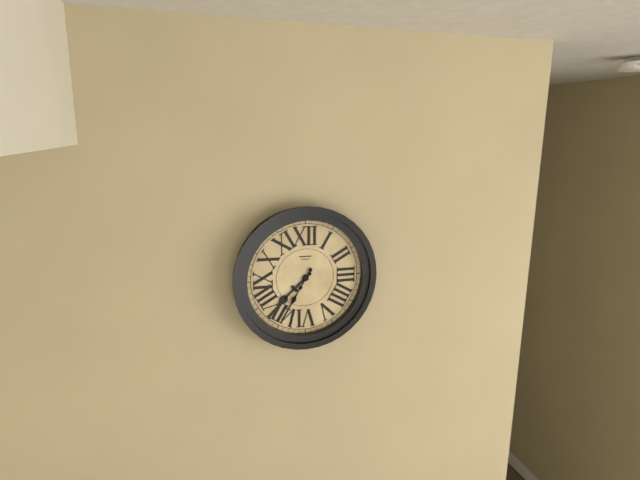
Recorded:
7.35
